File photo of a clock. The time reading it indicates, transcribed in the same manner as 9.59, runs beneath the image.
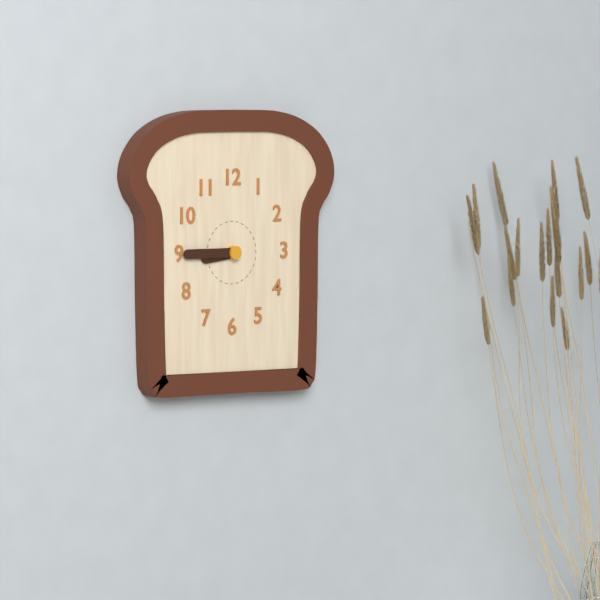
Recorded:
8.45
